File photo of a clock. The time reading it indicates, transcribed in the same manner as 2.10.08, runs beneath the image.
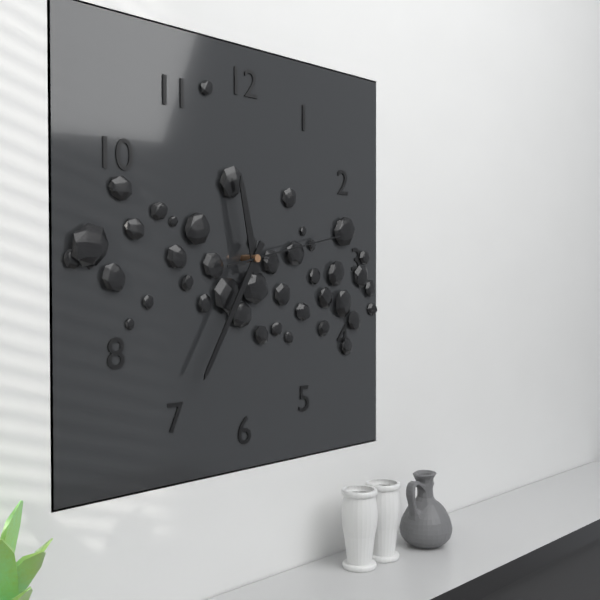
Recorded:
11.35.13
